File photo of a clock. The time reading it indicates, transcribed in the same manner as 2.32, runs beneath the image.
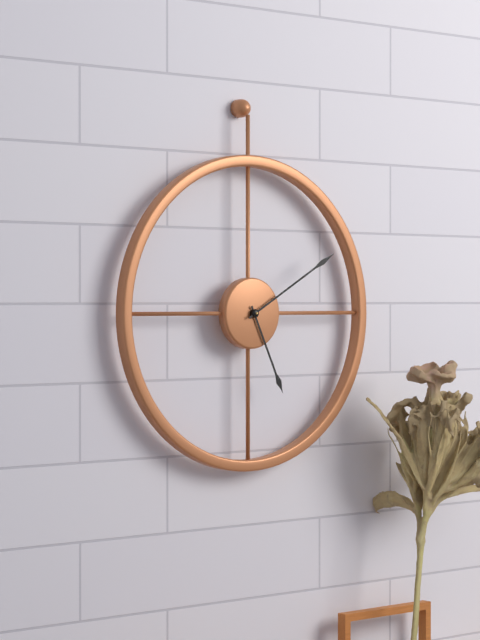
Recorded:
5.10
